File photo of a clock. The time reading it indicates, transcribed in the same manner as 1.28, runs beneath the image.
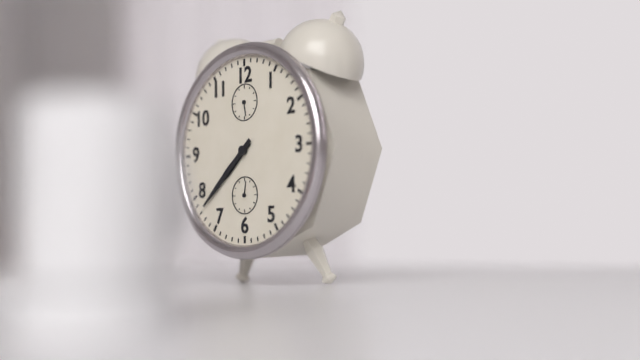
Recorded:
7.38
